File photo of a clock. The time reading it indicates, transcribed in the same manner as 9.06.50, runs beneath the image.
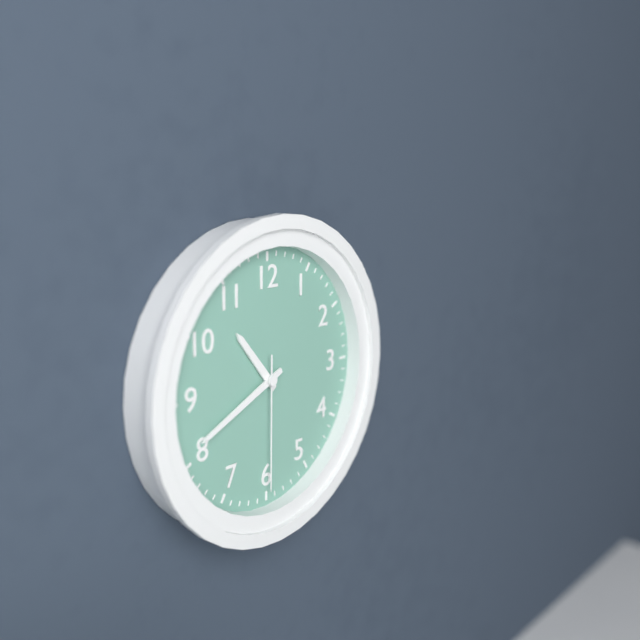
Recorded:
10.41.30
